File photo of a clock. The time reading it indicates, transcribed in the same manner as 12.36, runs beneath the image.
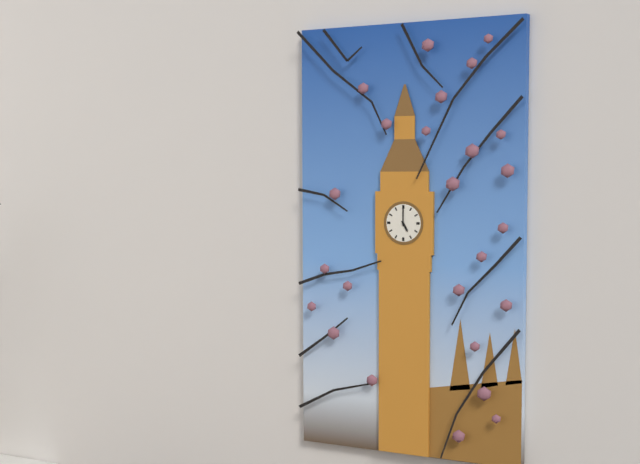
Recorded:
5.00
